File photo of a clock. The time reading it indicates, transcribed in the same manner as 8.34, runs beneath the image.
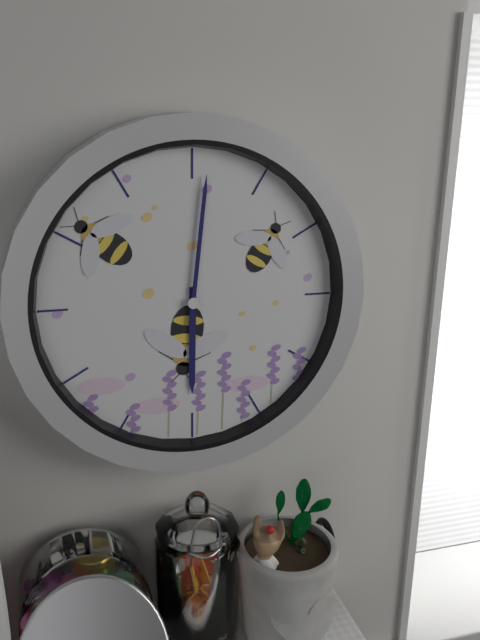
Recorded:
6.01
